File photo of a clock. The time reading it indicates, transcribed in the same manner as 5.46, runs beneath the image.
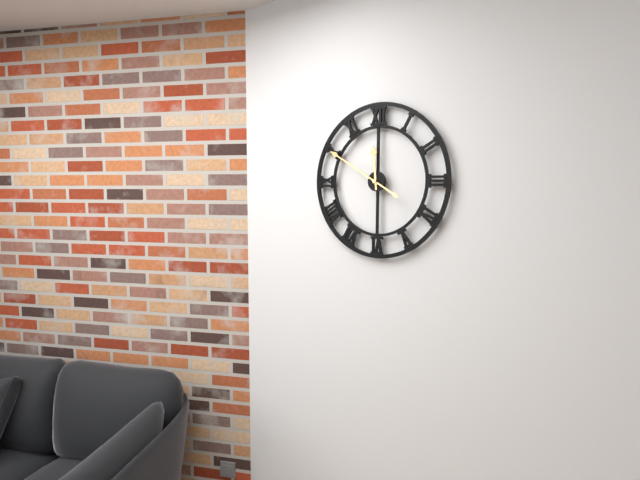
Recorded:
11.50
